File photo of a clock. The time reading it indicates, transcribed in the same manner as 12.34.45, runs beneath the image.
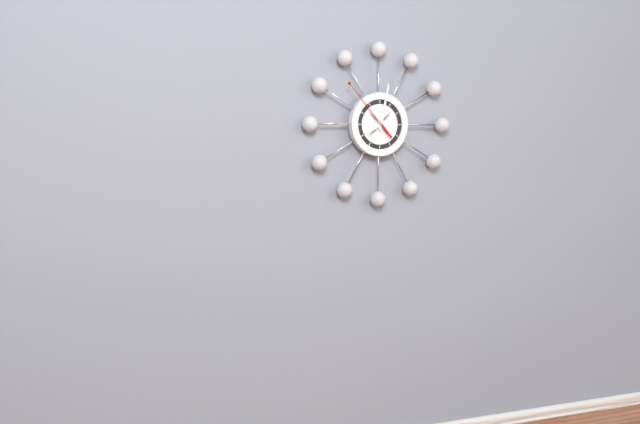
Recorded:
8.02.53
